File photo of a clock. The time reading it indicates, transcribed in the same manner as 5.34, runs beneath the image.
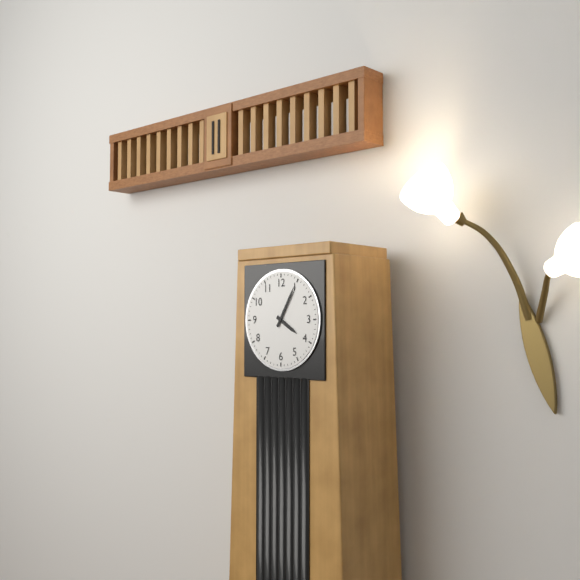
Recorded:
4.05
